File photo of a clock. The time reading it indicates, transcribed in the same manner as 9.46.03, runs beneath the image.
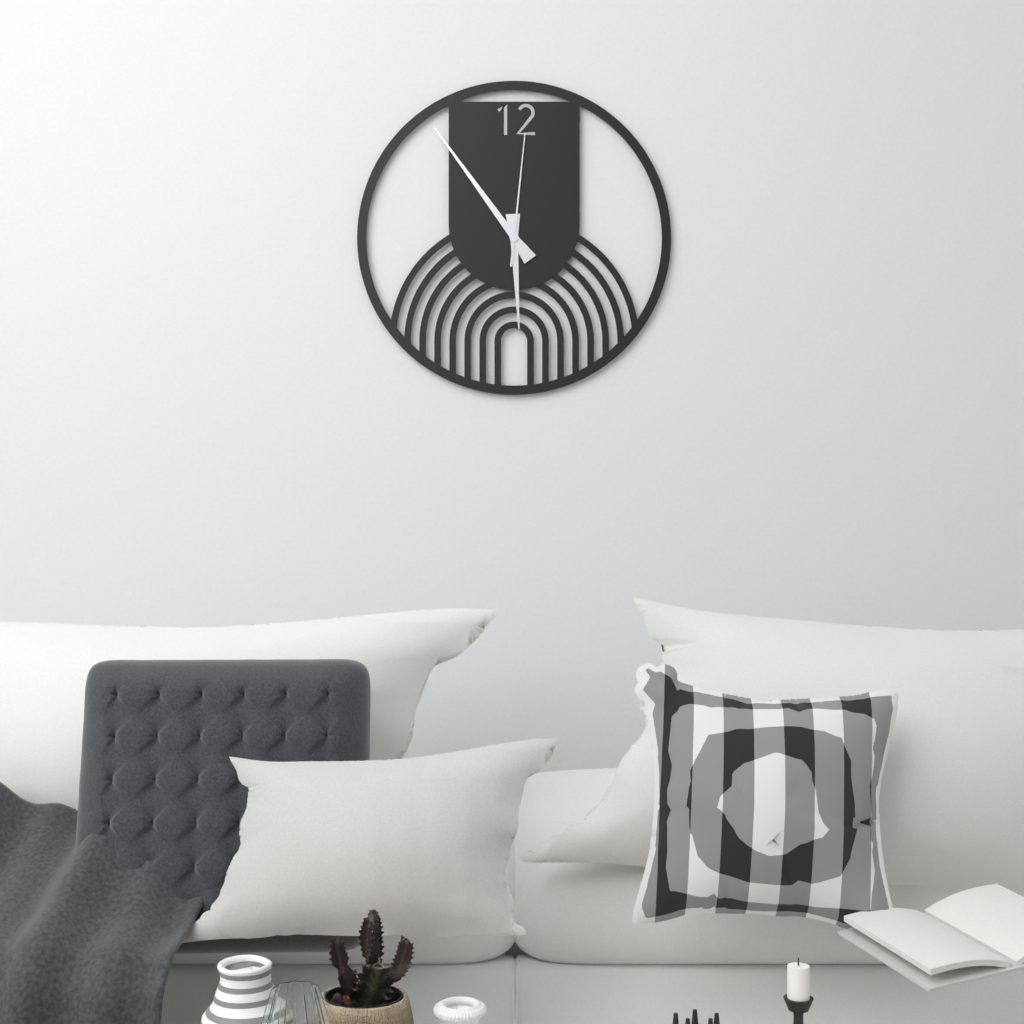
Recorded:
5.54.01
